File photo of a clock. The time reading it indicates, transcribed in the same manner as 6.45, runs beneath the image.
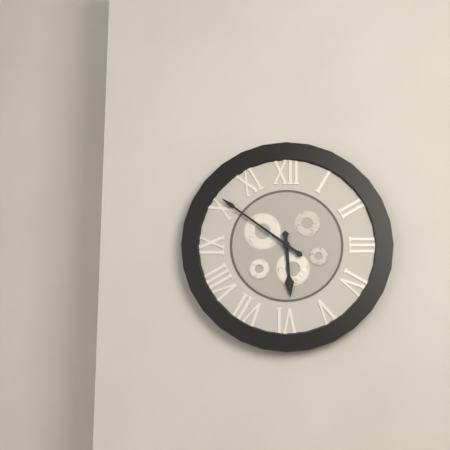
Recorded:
5.51
